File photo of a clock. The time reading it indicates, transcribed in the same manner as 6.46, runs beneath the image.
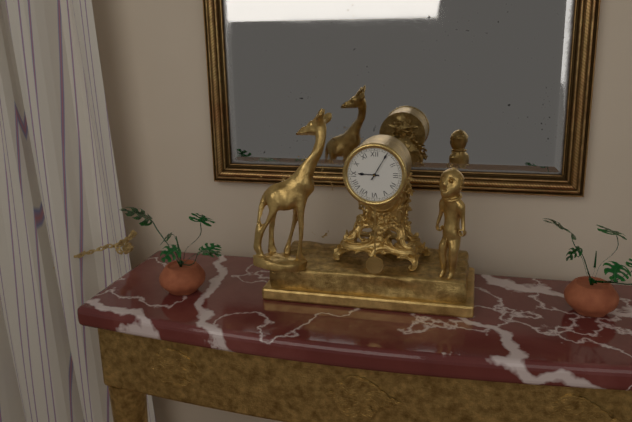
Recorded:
9.05
